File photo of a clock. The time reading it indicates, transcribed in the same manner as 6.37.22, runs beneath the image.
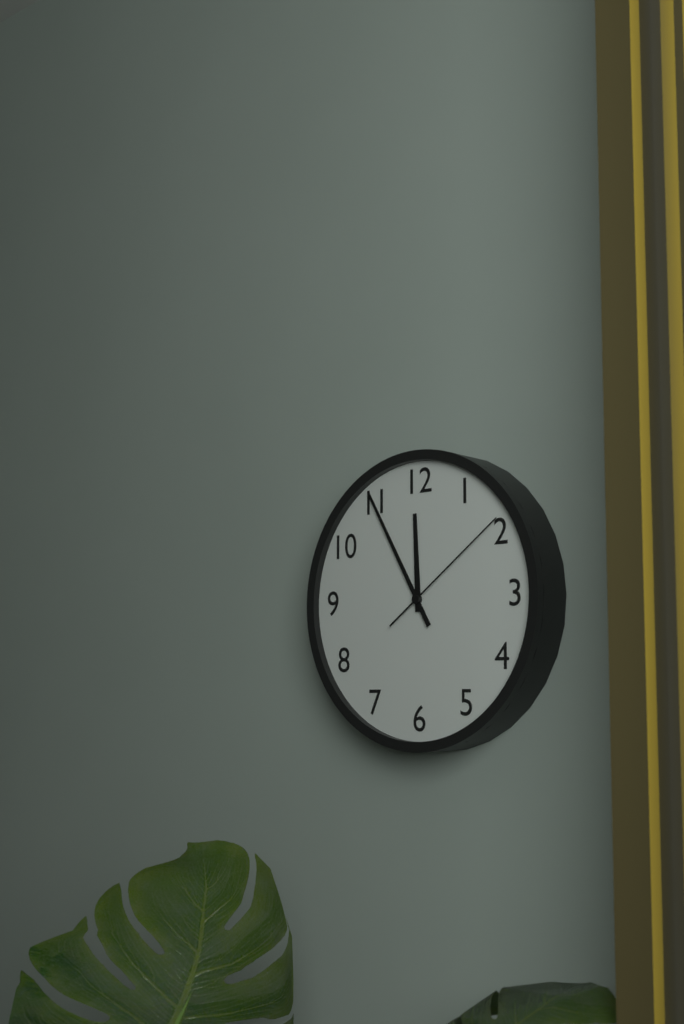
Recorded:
11.55.09
